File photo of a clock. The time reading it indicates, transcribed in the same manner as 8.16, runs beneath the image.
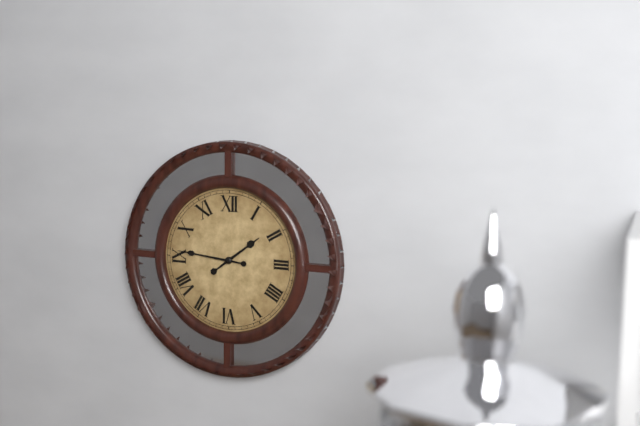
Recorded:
1.46
